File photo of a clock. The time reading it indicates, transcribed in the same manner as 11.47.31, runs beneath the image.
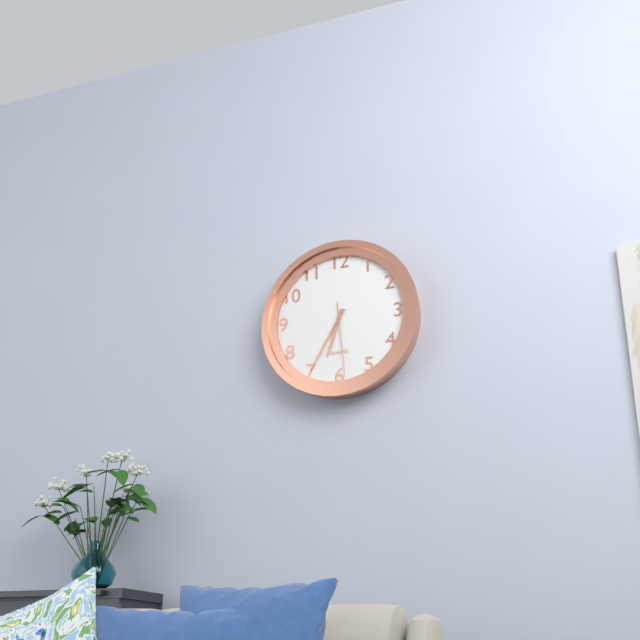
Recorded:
6.35.29
